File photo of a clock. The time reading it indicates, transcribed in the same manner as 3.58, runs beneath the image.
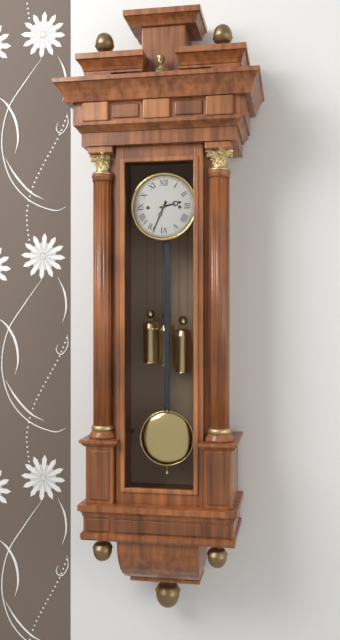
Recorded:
2.34
